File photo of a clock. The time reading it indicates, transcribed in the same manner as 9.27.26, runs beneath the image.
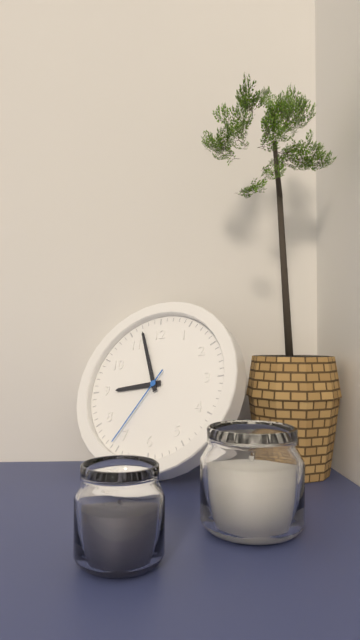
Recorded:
8.57.36
